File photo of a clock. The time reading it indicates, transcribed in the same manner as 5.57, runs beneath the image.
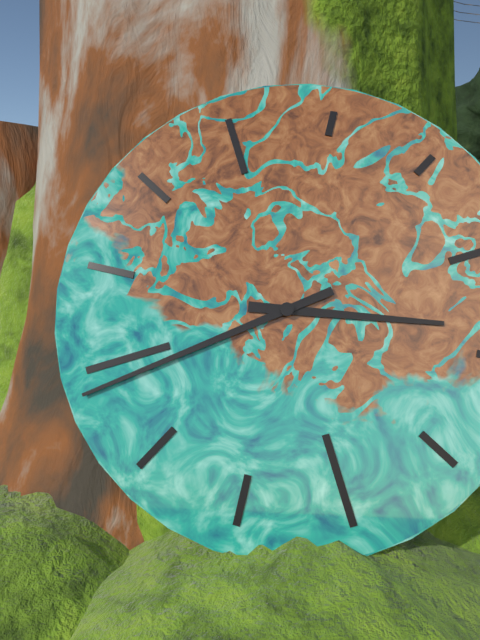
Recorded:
3.44
